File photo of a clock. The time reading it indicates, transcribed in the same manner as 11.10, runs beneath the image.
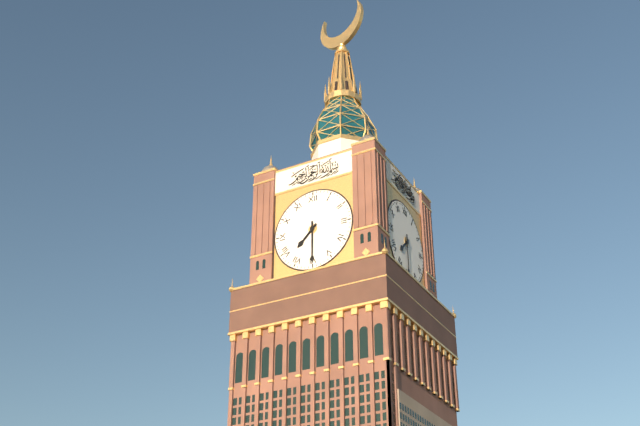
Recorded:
7.30
